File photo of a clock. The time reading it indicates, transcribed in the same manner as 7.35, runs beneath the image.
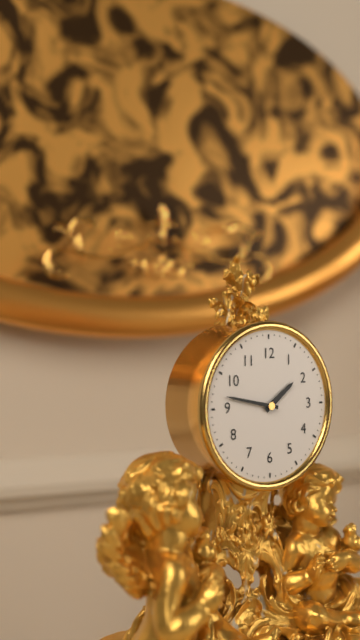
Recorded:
1.47
